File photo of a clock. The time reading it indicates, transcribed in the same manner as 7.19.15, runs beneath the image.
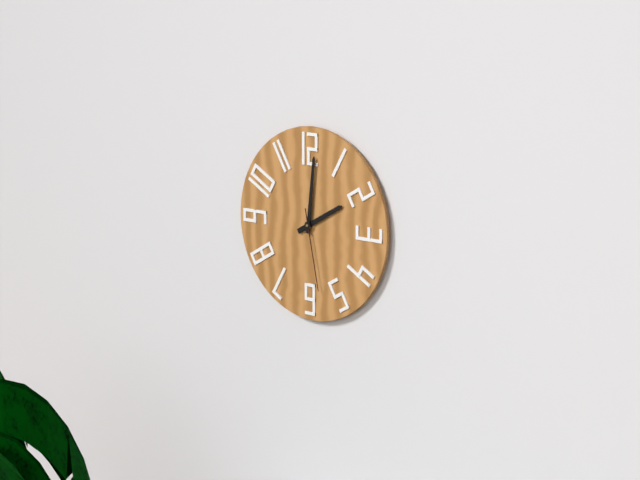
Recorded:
2.01.28
